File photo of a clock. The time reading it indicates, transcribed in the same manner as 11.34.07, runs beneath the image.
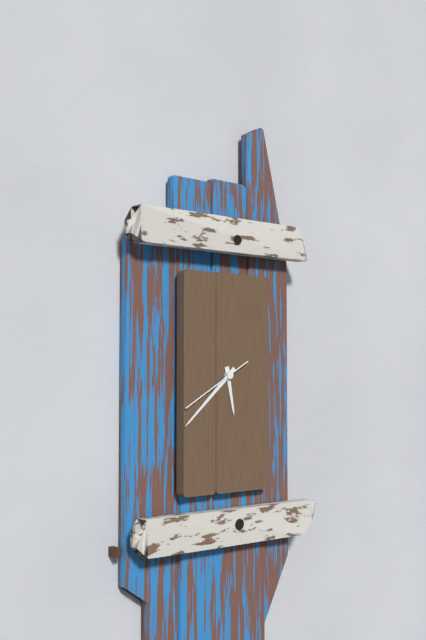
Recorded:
5.38.40
